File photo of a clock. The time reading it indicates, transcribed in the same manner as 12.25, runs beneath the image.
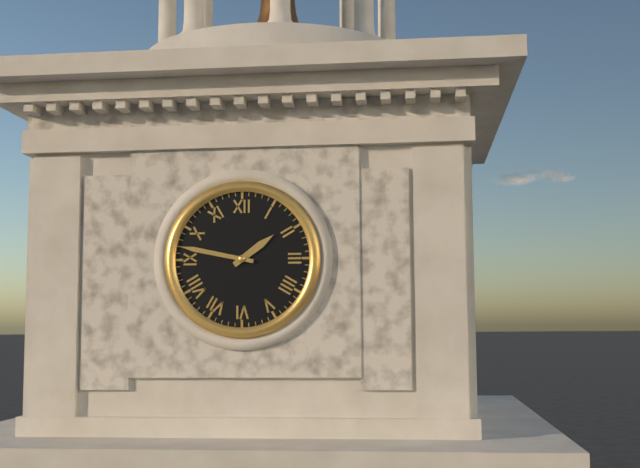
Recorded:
1.47
